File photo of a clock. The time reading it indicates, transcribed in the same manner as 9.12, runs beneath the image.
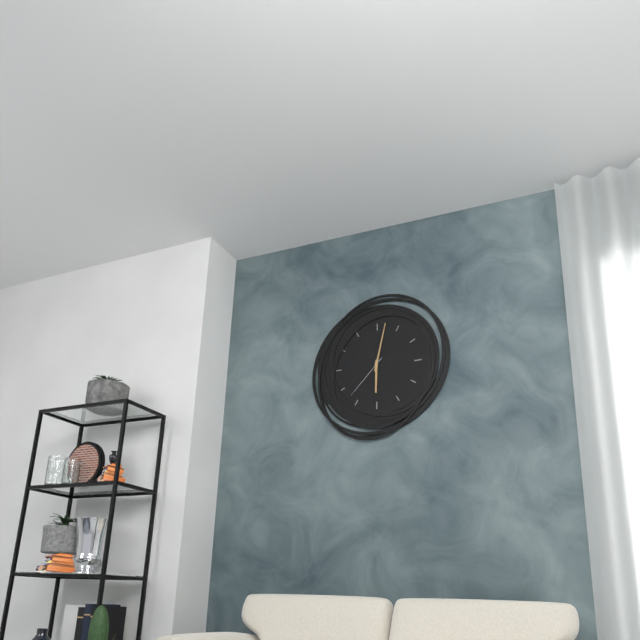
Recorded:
6.02
